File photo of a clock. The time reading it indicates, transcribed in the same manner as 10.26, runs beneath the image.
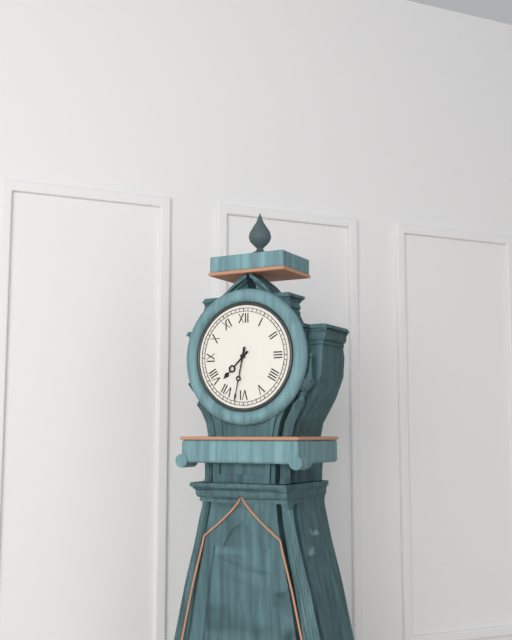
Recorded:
7.32
